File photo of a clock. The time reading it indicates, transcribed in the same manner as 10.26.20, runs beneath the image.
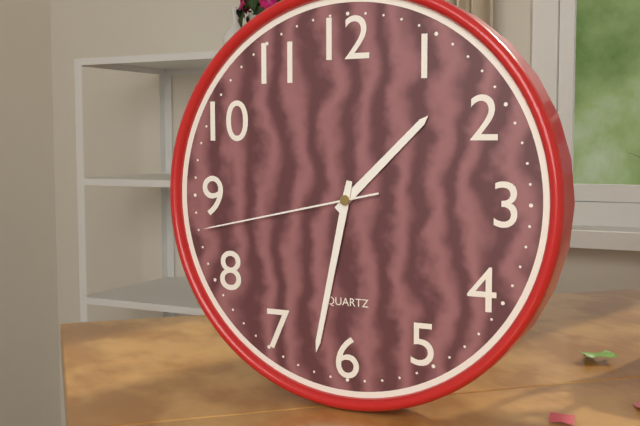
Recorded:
1.32.43
